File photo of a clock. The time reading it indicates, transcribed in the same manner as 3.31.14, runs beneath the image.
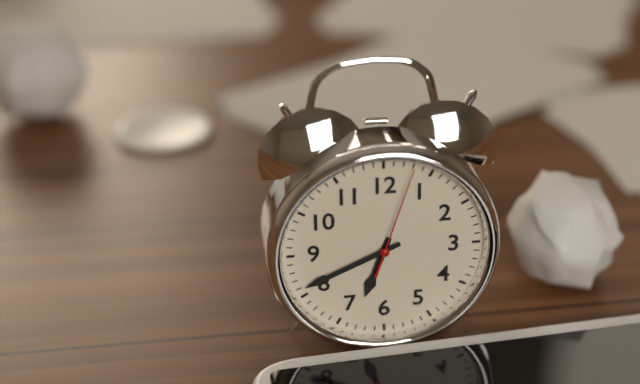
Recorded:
6.41.03
